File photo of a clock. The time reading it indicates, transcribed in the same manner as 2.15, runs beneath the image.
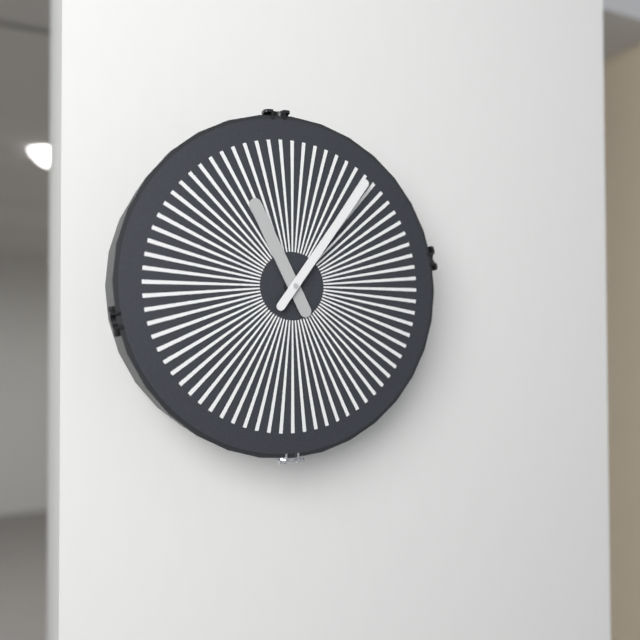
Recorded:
11.06
